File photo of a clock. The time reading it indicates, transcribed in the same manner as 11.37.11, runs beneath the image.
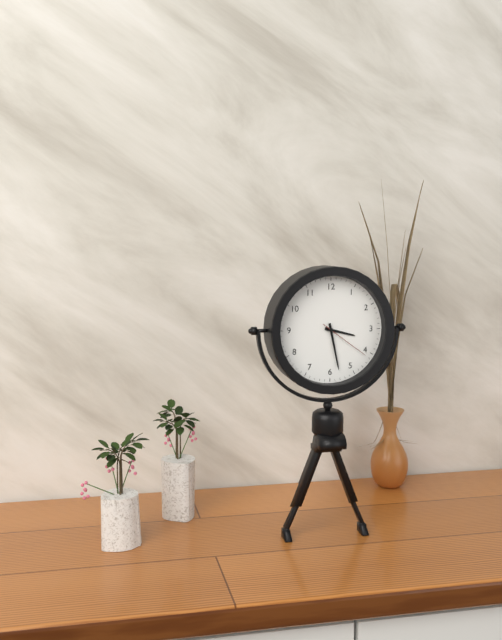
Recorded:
3.28.21
